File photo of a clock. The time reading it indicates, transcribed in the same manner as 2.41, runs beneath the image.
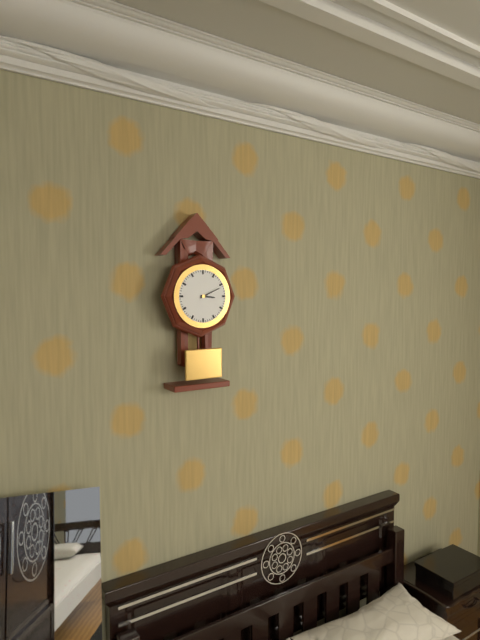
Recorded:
3.11
